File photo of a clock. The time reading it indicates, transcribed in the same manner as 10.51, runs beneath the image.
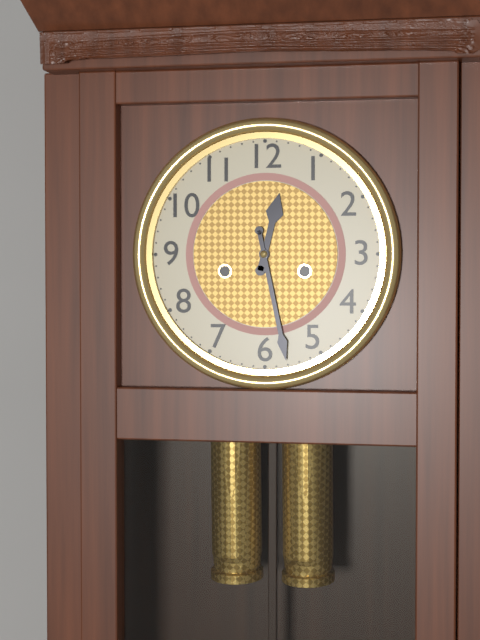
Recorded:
12.28
